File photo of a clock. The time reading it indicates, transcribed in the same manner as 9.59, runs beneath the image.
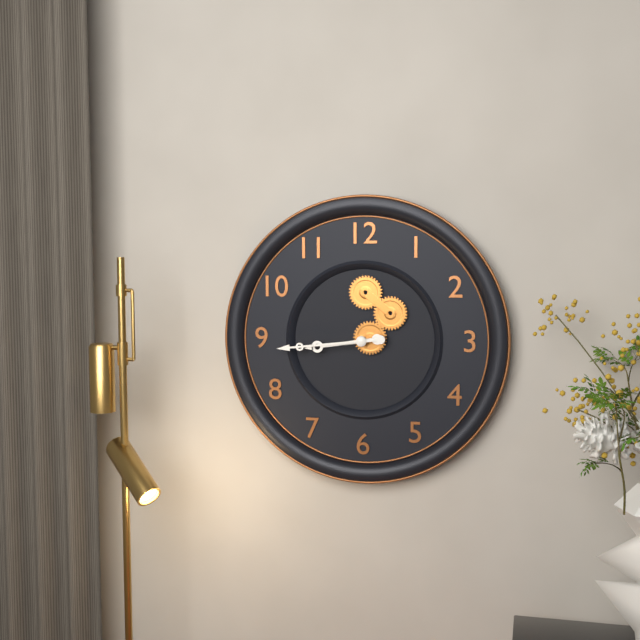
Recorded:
8.44
